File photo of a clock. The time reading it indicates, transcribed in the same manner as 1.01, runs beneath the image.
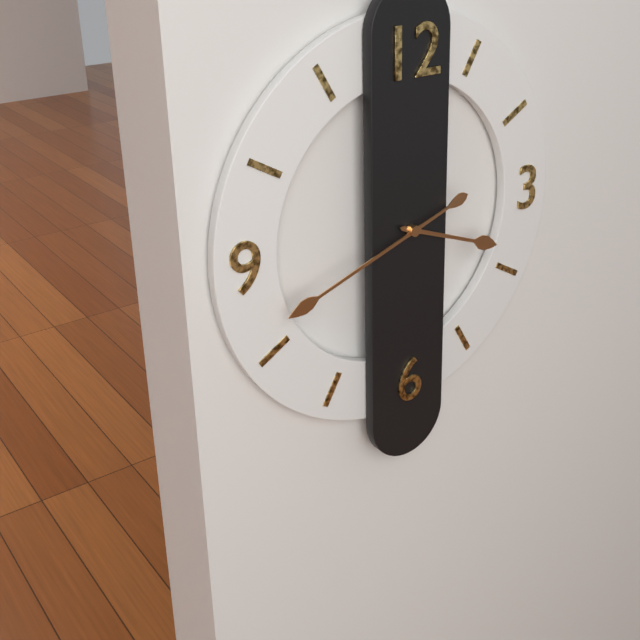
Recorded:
3.42
